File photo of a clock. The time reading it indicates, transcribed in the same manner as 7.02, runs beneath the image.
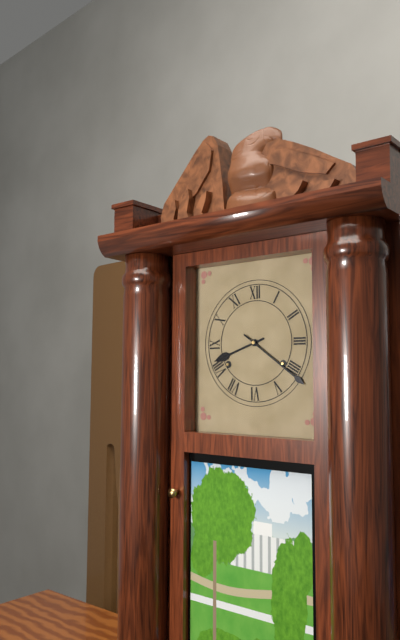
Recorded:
8.21
